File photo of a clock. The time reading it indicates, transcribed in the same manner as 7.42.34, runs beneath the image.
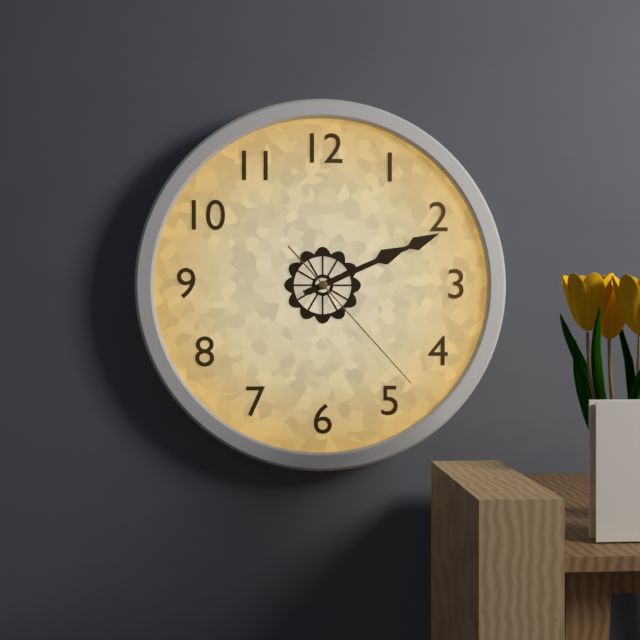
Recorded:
2.11.23
